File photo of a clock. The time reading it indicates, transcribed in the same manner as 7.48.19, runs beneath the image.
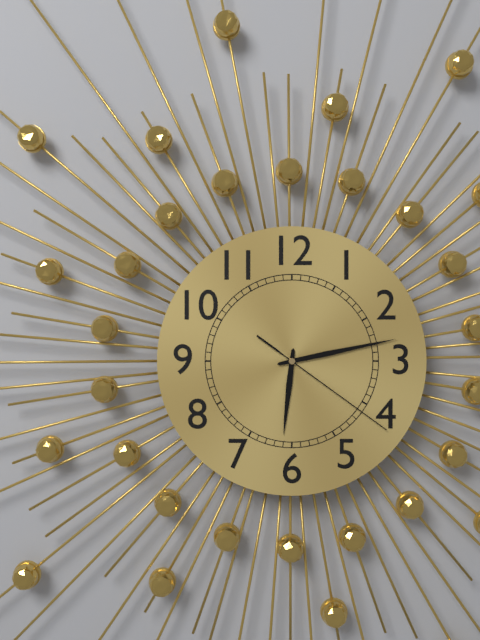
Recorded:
6.13.21
